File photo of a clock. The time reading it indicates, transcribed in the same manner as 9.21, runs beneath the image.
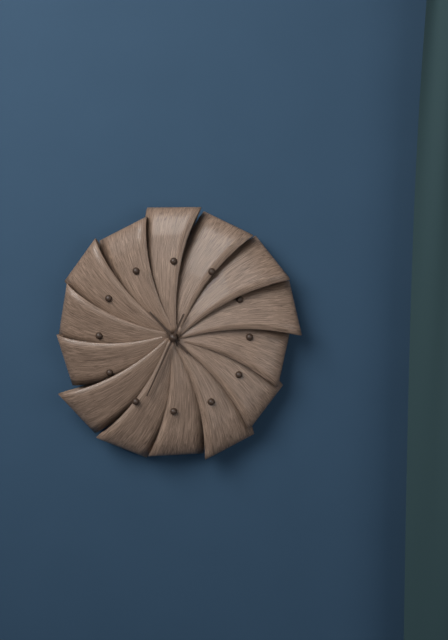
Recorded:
10.34
